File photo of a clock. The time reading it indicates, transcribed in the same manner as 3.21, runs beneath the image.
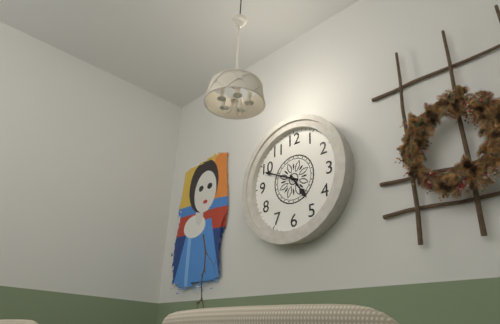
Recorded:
4.49
